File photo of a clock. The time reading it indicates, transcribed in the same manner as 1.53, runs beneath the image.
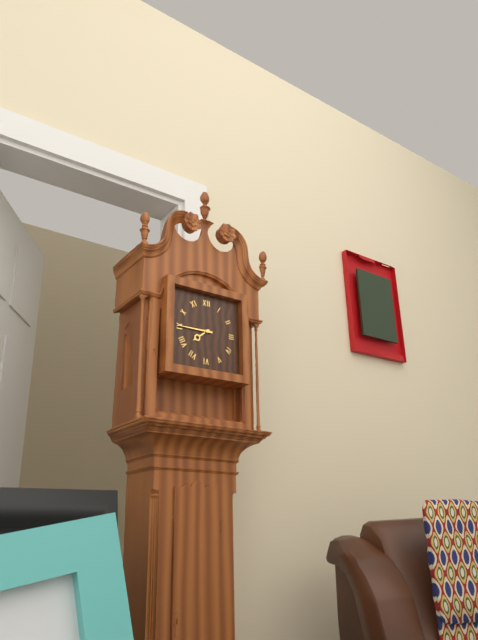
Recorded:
7.45
